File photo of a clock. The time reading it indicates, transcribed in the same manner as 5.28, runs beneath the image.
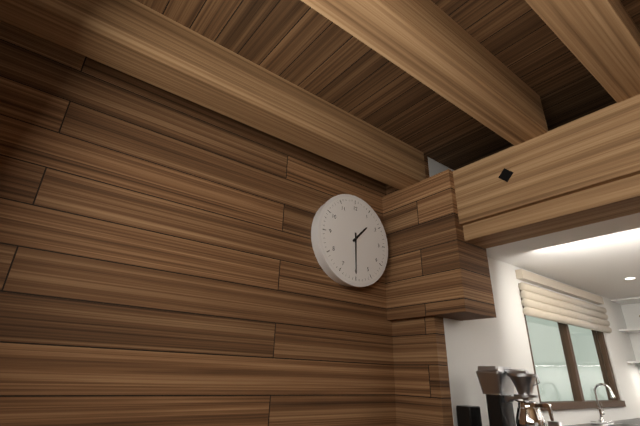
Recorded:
1.30
